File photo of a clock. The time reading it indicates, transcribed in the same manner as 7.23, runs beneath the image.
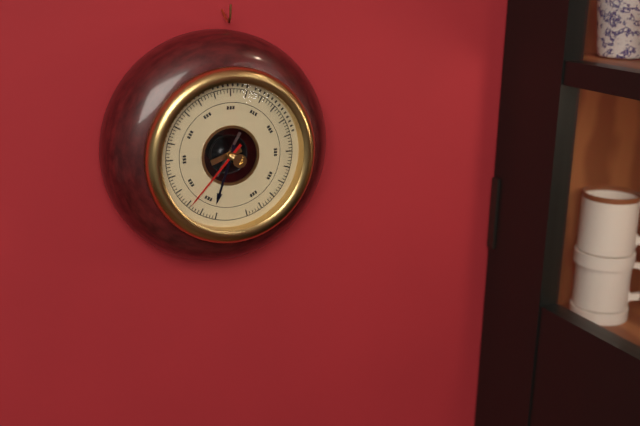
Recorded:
6.37
